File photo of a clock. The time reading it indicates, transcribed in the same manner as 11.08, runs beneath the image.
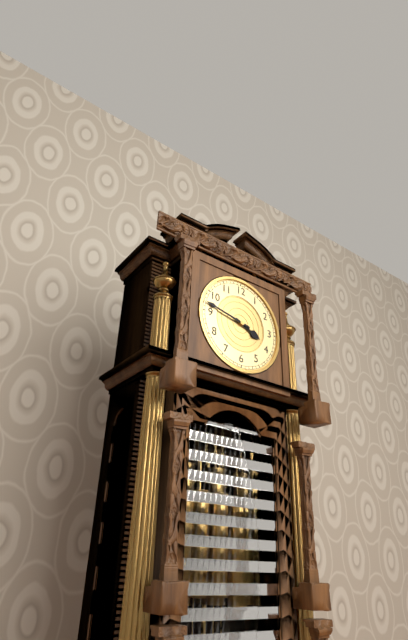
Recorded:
3.47
